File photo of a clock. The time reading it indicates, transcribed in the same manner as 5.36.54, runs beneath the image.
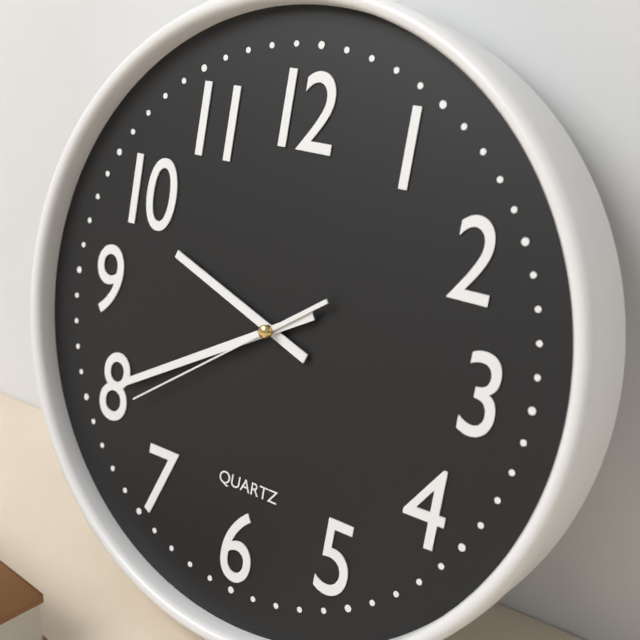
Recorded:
9.40.39
